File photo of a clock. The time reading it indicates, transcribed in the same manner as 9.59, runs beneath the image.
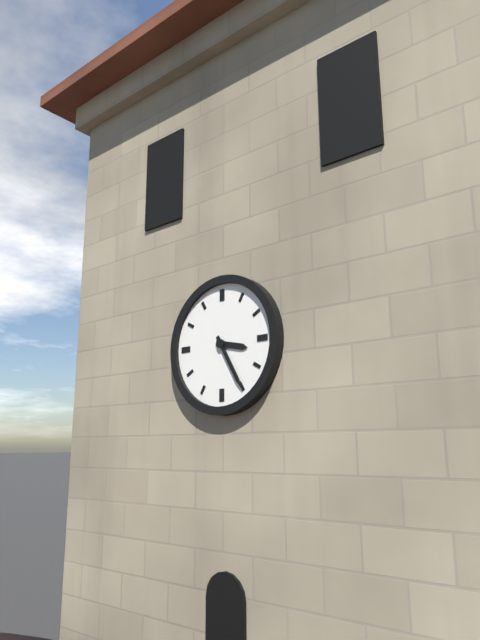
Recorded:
3.25
